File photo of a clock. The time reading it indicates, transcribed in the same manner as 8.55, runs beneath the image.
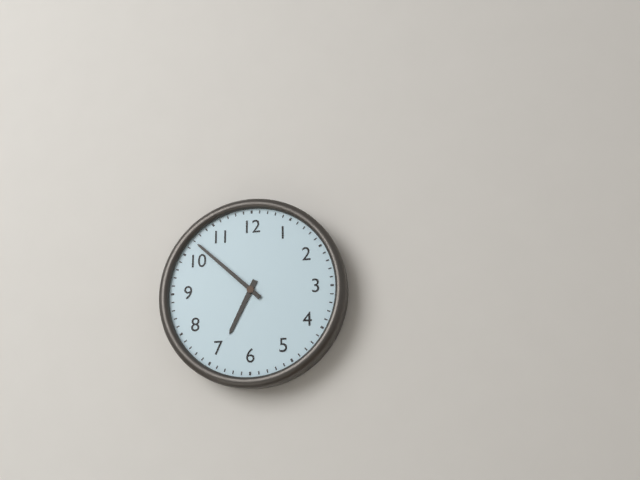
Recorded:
6.52
